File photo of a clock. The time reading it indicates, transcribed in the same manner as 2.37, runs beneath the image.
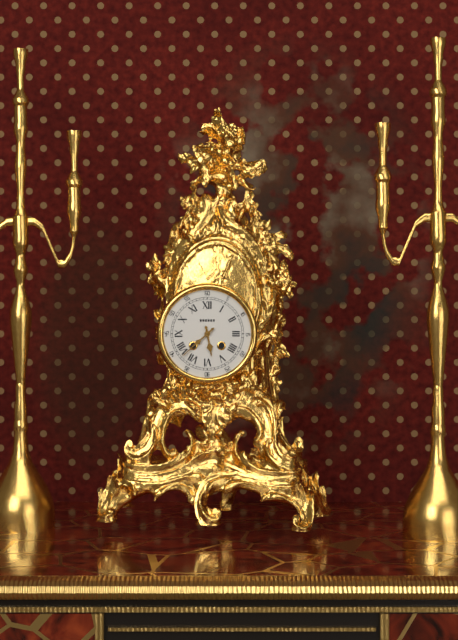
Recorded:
5.38
